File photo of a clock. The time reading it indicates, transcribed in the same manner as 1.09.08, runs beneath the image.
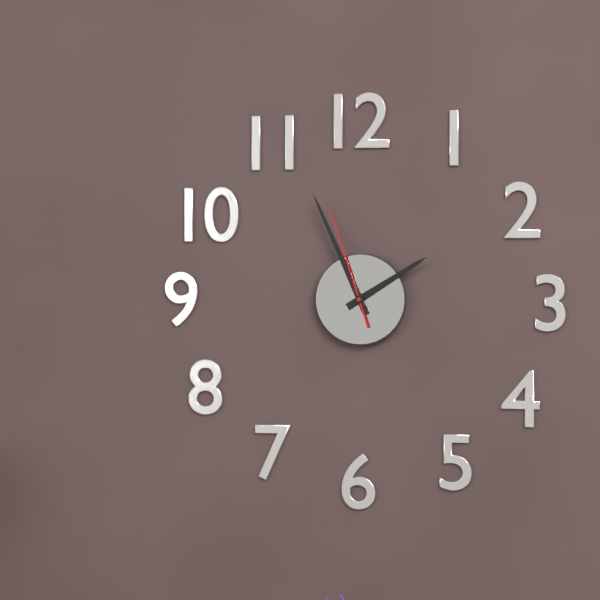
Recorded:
1.56.57
